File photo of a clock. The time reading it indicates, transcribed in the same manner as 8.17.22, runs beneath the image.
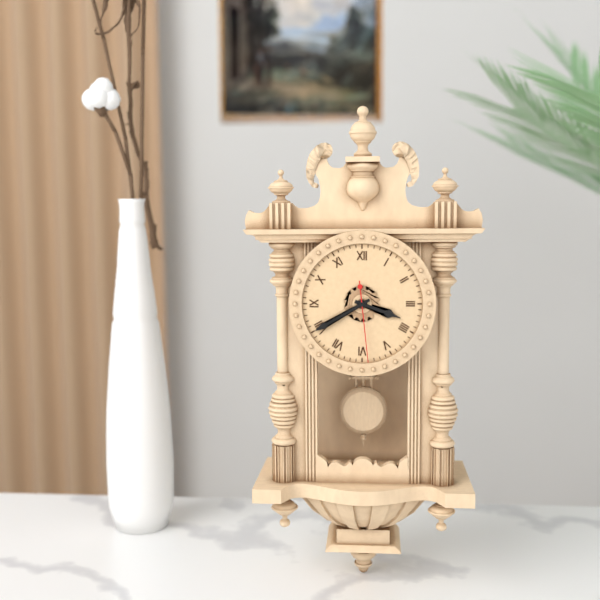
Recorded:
3.40.29
